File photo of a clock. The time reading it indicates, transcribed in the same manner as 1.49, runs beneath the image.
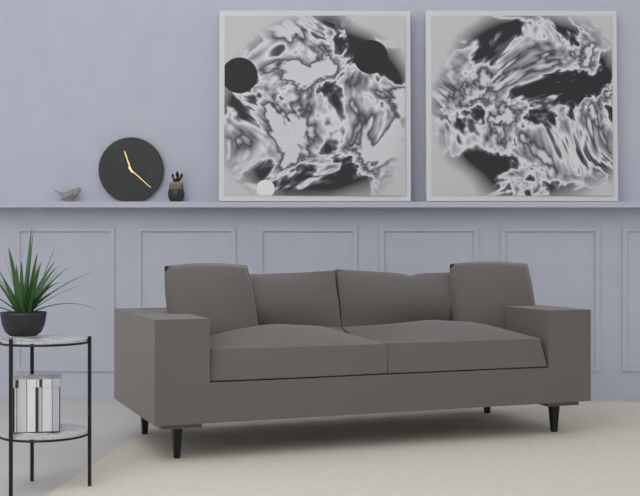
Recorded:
11.22
